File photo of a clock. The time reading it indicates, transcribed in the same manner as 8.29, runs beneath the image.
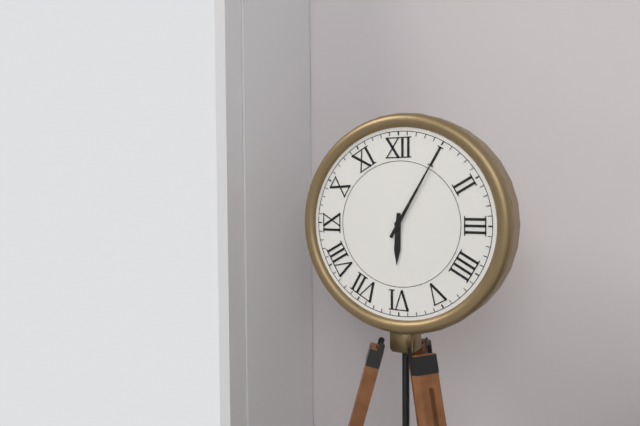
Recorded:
6.05
